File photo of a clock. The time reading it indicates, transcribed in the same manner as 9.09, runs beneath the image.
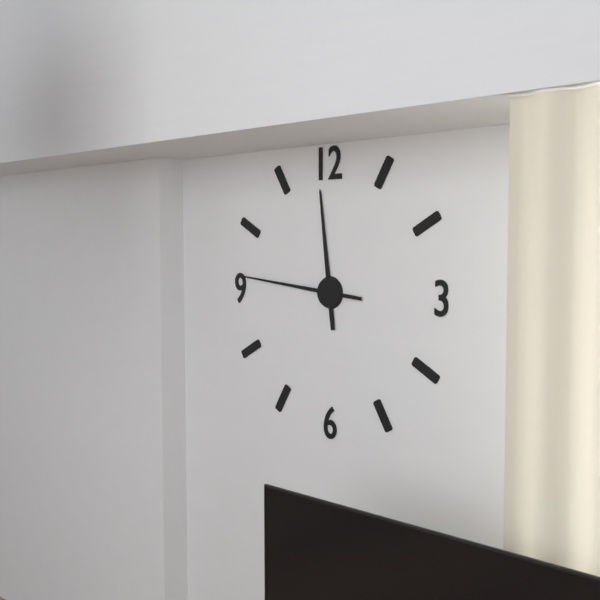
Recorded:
11.46
